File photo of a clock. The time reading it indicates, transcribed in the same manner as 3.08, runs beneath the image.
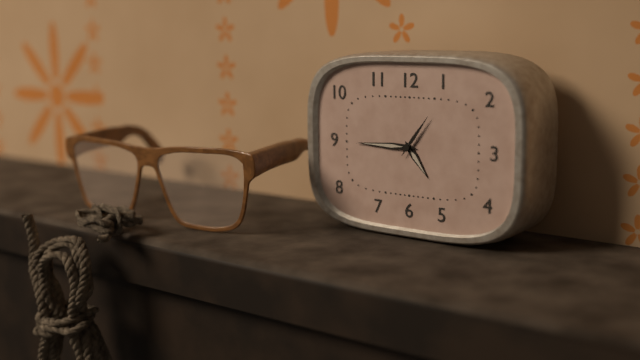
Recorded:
4.45
